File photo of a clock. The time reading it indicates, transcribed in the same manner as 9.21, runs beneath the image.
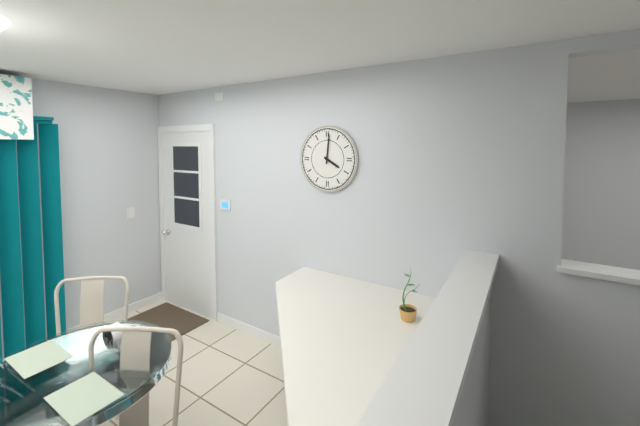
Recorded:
4.01
